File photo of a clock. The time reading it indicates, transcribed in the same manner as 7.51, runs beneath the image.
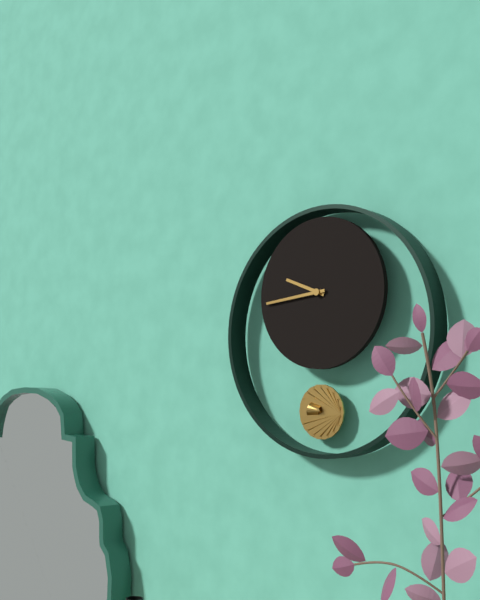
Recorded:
9.44
